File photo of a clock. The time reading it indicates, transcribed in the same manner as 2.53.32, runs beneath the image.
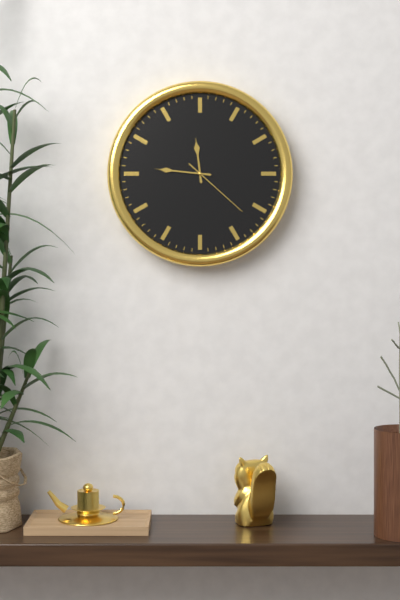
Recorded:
11.46.22
